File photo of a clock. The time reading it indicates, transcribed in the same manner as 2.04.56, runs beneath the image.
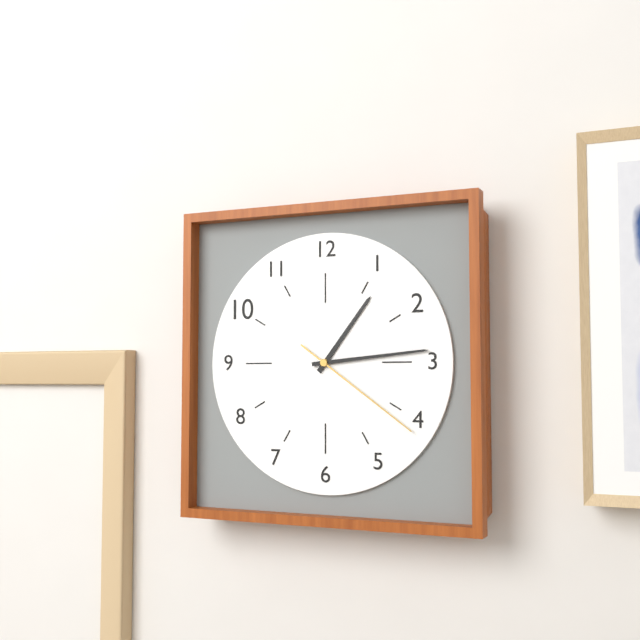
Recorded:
1.14.21
